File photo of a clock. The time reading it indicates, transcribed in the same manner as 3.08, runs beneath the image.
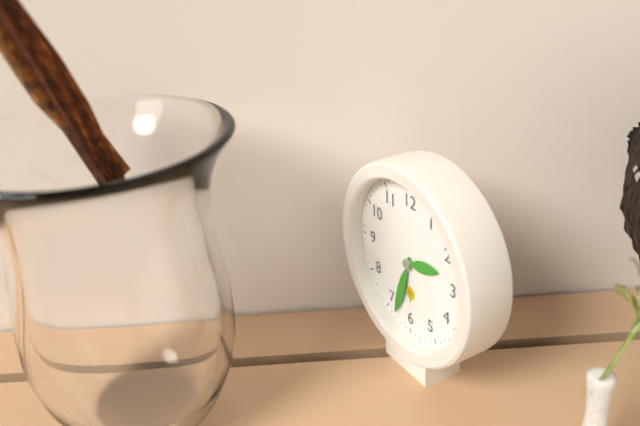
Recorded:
2.33
